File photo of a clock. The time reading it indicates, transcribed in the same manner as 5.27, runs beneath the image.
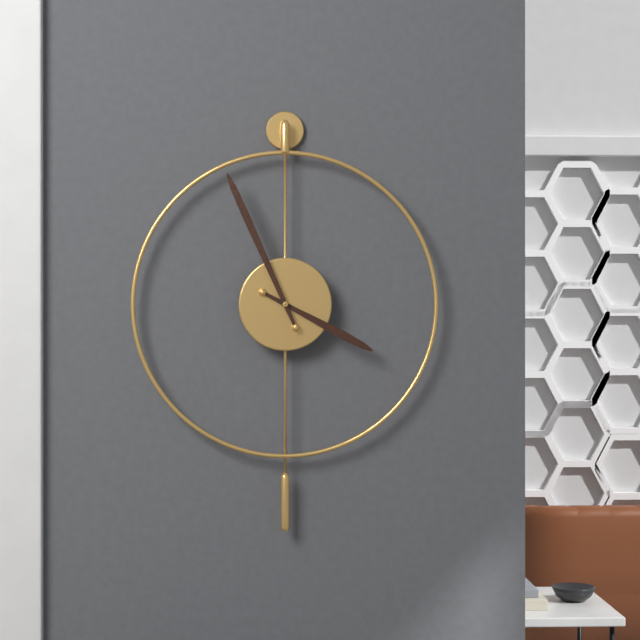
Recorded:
3.56
